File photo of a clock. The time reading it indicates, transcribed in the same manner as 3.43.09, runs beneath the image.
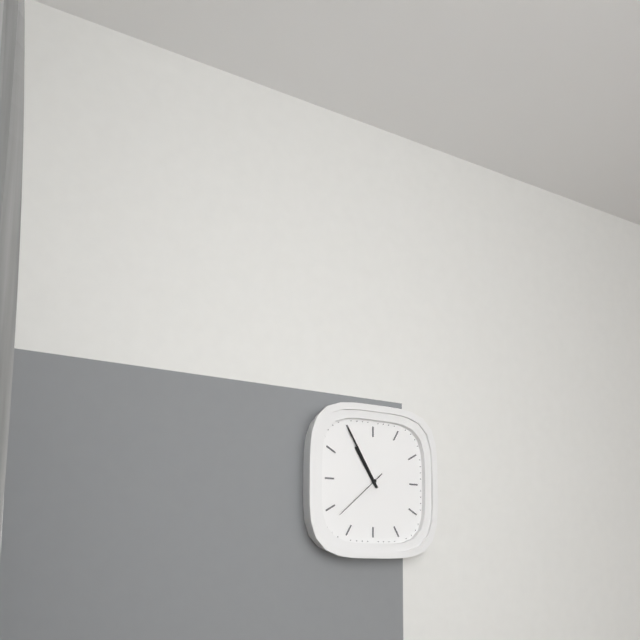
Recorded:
10.55.38
